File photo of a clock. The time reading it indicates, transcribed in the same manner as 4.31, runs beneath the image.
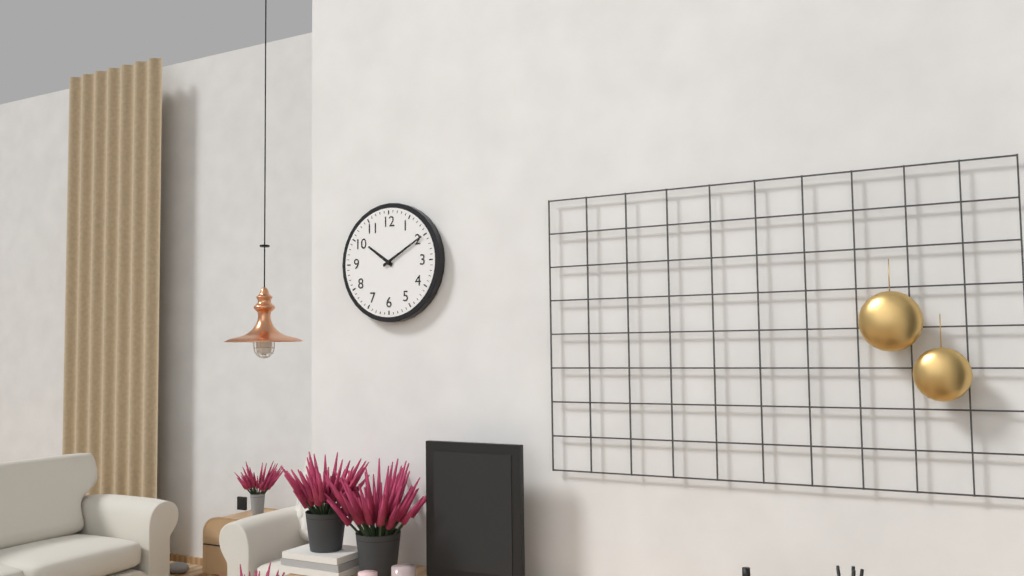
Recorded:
10.10
